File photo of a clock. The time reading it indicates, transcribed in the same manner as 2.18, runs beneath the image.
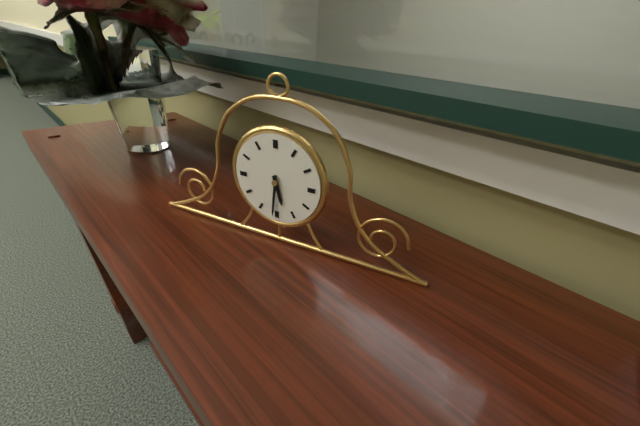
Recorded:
5.31
